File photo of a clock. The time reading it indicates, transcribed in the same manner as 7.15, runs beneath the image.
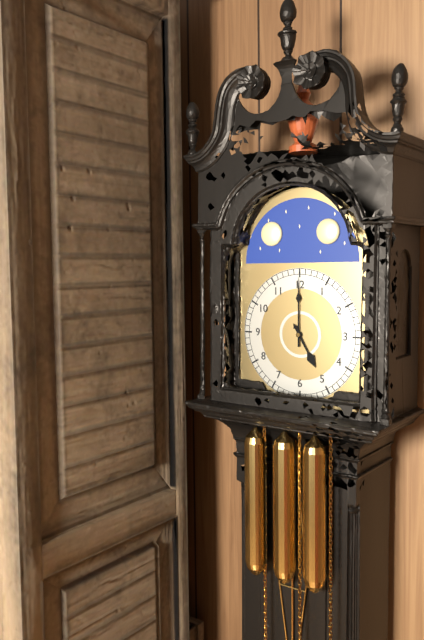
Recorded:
5.00
